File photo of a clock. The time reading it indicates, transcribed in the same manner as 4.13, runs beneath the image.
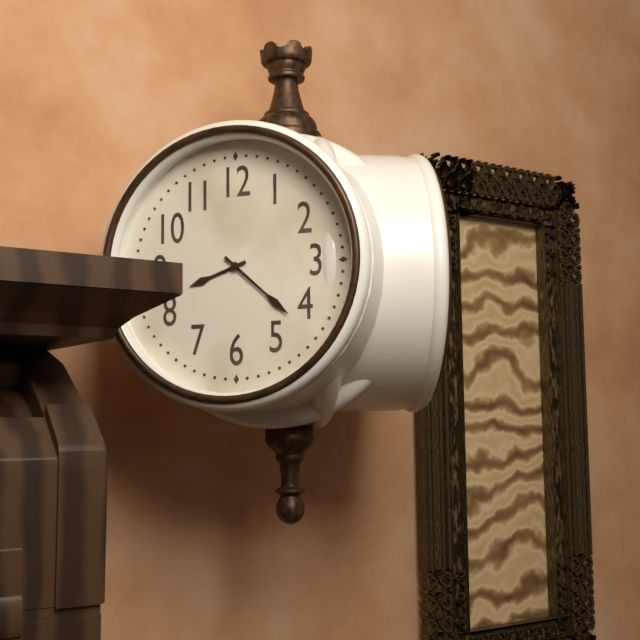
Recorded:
8.22
